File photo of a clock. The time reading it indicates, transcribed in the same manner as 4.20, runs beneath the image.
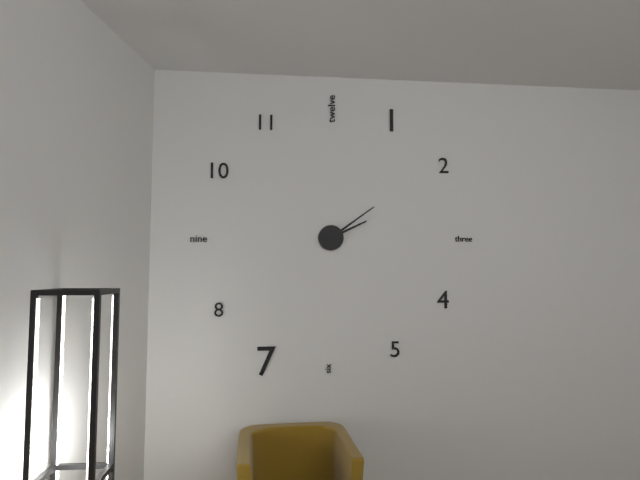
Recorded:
2.09
